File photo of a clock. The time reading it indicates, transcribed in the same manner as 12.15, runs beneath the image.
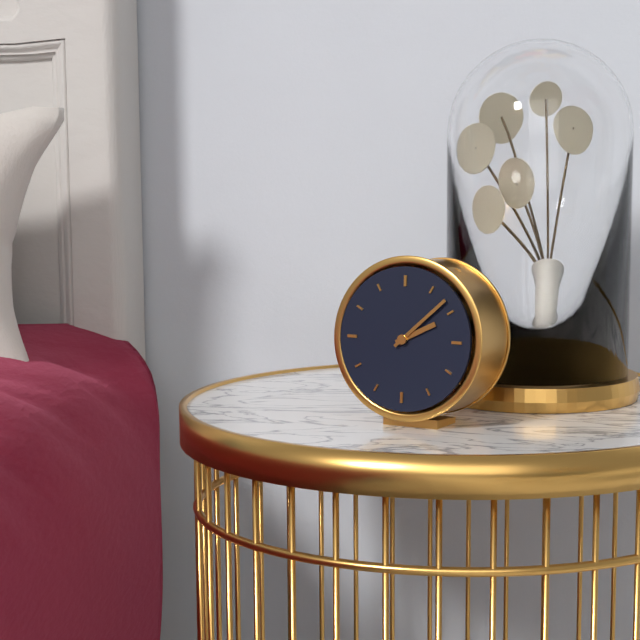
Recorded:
2.08
